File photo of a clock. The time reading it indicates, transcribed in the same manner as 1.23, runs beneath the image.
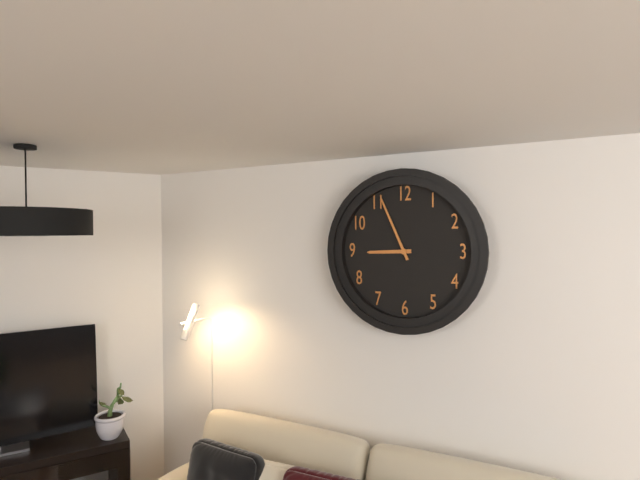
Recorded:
8.56
